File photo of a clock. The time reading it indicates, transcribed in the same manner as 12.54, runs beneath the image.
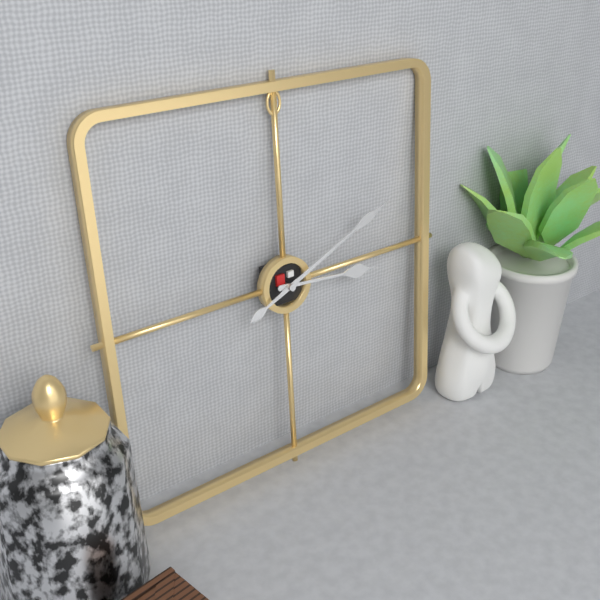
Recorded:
3.11
